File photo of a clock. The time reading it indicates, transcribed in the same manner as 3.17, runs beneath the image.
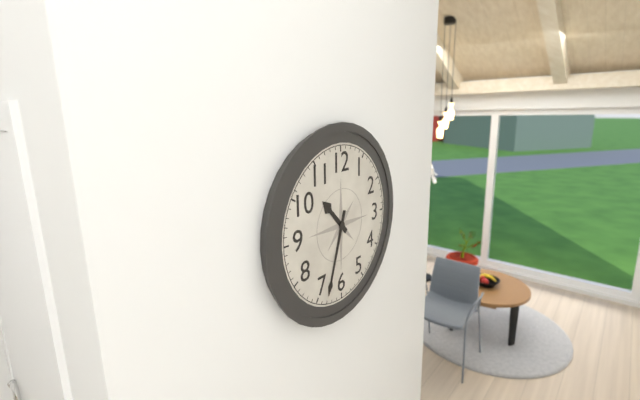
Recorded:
10.33
